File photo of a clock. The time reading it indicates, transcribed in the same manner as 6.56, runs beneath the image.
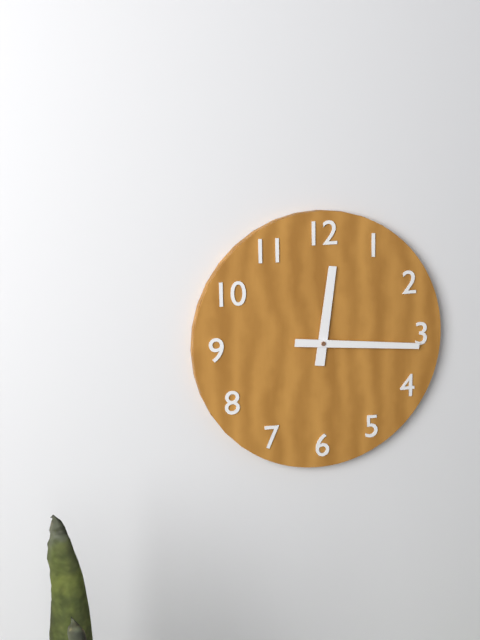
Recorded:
12.16
